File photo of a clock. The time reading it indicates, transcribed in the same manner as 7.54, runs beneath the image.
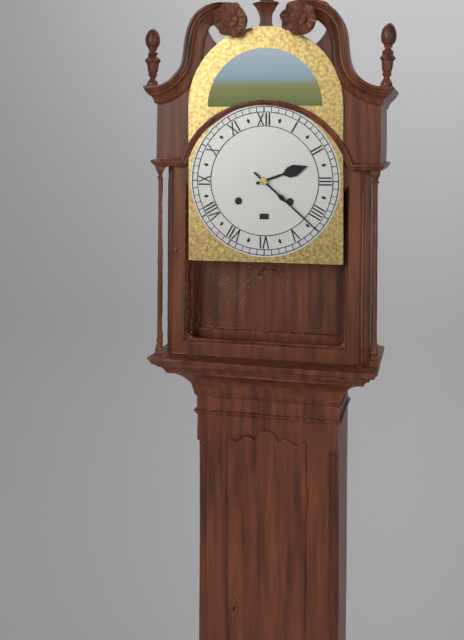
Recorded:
2.22
